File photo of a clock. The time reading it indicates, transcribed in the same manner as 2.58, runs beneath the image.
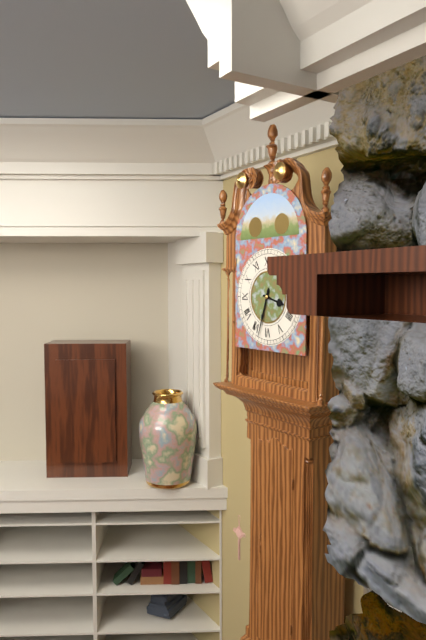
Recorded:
3.33
